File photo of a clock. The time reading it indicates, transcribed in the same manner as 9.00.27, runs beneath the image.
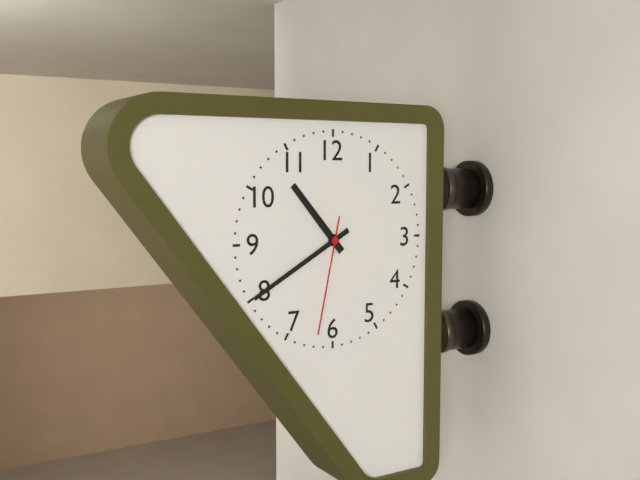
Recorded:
10.40.32
